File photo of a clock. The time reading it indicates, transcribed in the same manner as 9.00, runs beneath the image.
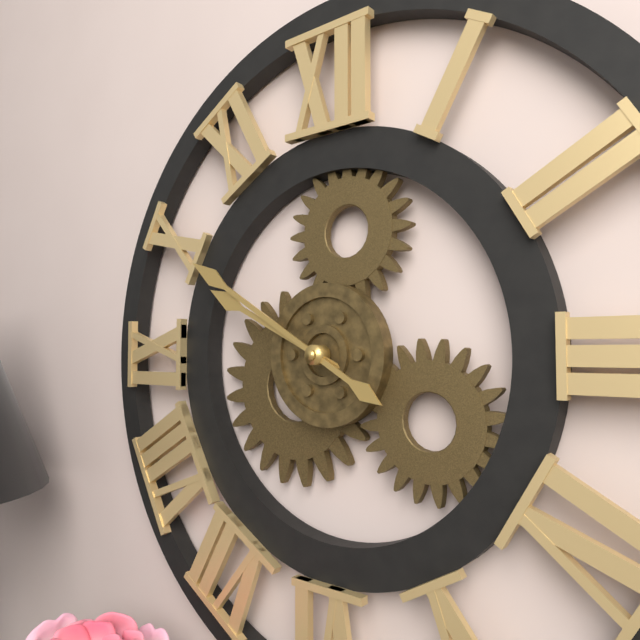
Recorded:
9.50
